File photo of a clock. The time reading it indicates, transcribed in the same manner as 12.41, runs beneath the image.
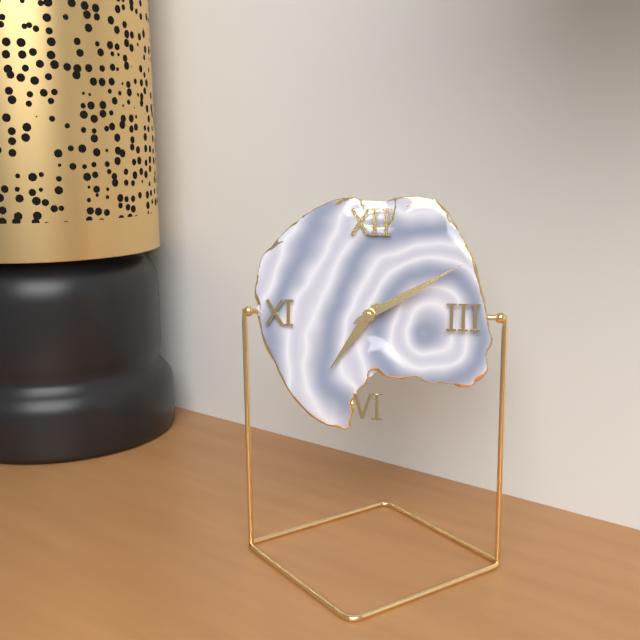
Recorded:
7.10
